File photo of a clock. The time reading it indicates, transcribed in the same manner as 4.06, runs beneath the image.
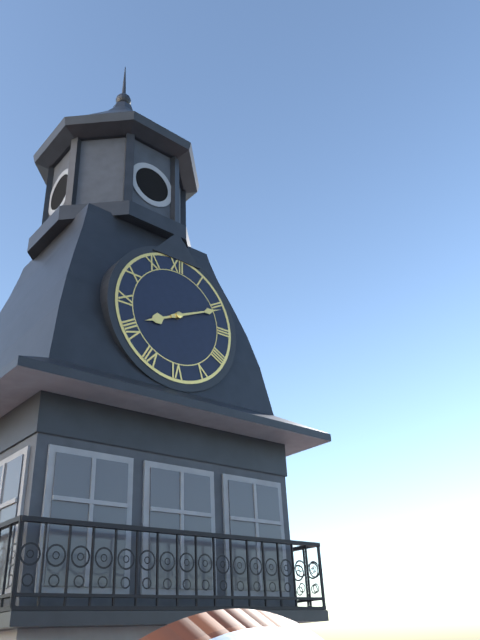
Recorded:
8.11
